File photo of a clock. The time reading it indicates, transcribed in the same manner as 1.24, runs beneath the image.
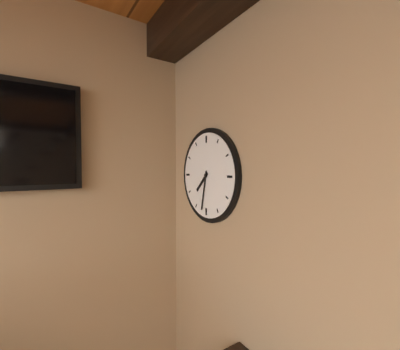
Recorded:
7.32
